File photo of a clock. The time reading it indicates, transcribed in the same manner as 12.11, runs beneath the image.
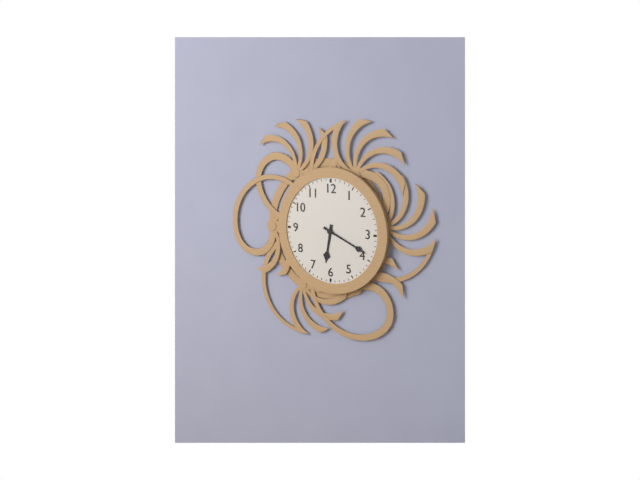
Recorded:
6.19
